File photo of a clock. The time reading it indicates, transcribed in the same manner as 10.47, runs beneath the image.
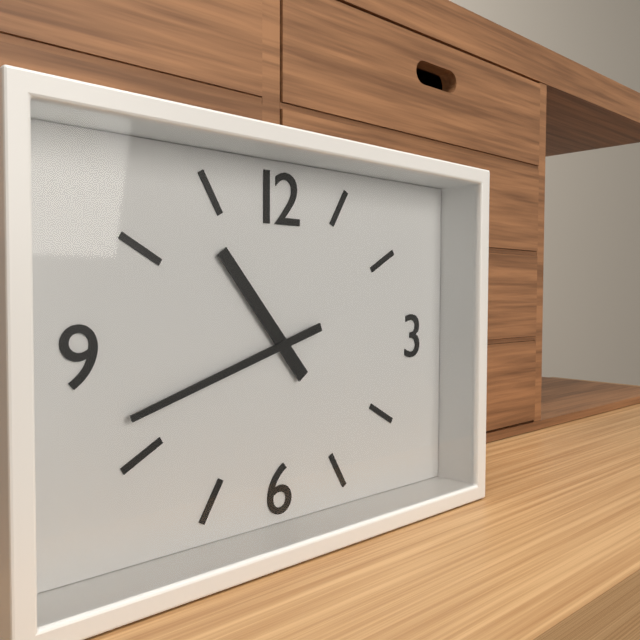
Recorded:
10.42
